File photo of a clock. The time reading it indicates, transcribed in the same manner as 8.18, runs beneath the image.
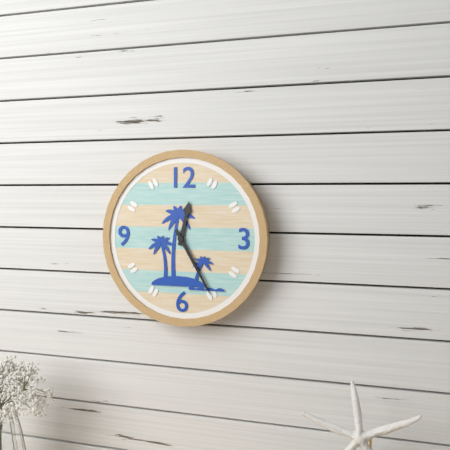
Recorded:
12.25
